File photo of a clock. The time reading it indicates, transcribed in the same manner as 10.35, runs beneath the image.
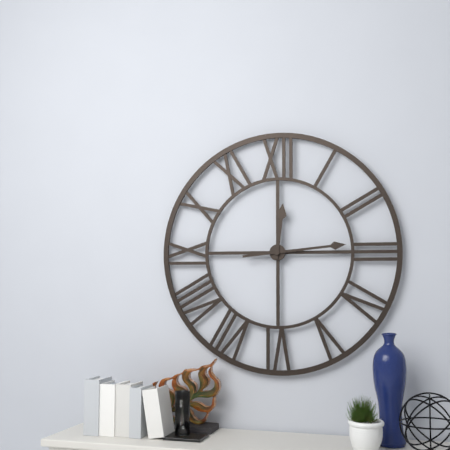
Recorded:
12.14
